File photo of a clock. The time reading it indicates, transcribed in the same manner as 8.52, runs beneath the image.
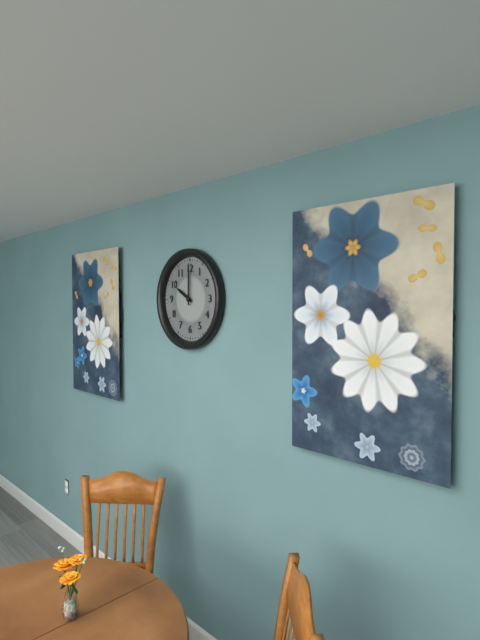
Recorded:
10.00
